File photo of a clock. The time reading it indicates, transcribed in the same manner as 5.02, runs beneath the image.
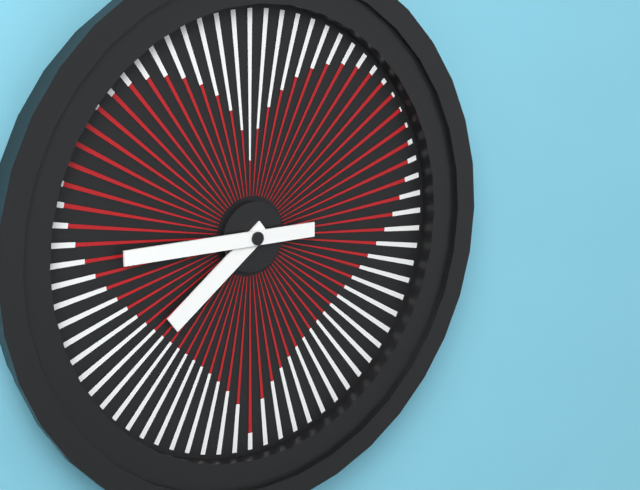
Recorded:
7.45
